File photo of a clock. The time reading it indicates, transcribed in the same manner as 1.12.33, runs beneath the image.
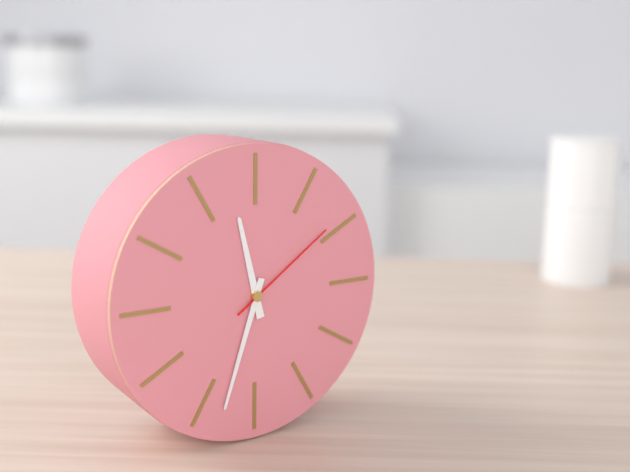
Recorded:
11.33.09
